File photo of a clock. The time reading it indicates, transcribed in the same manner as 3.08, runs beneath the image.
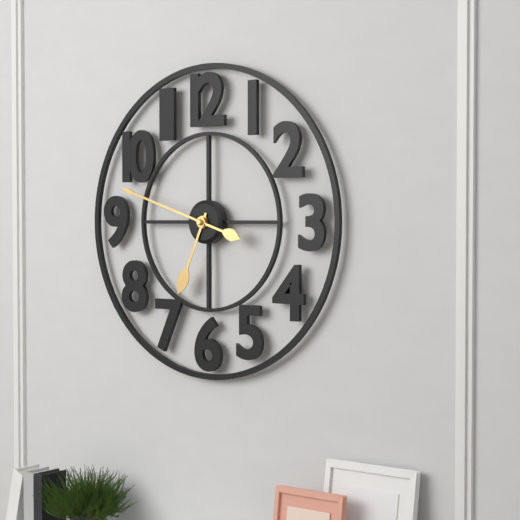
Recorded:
6.48
